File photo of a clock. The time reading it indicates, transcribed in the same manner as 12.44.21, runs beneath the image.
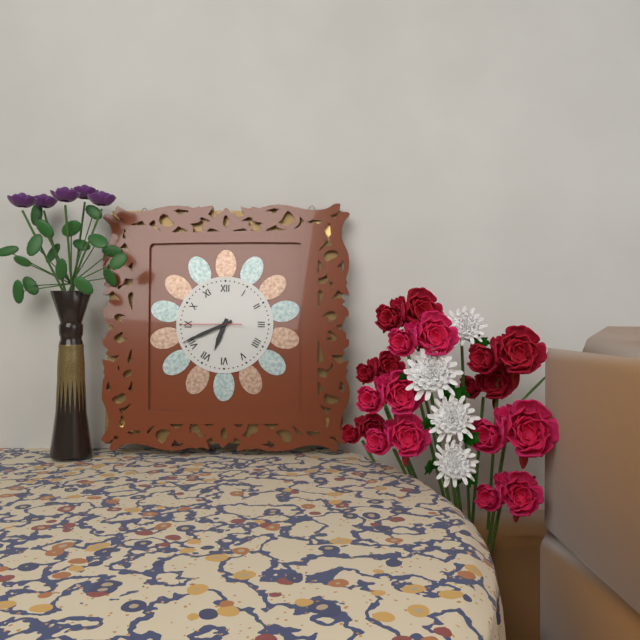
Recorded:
6.41.45
